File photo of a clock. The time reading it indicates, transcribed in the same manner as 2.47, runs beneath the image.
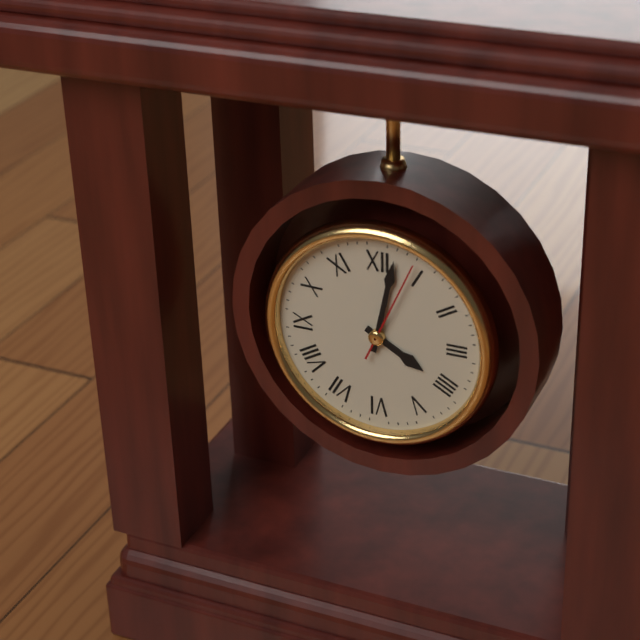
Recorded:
4.02
